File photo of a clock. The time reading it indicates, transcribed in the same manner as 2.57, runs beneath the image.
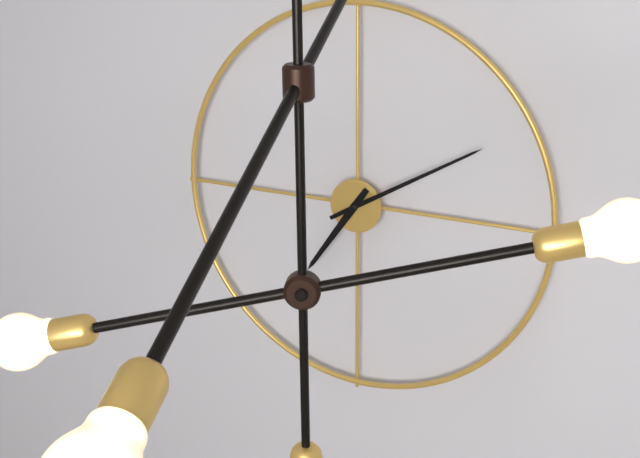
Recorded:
7.10
